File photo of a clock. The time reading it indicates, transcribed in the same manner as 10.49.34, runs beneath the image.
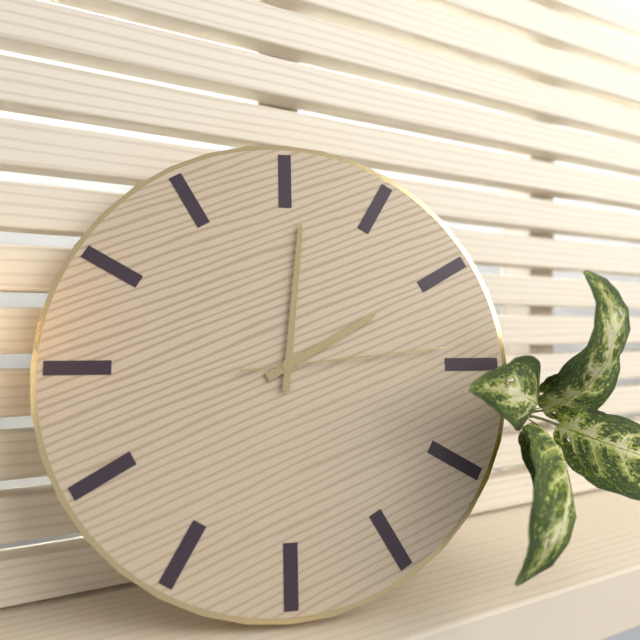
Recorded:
2.01.14
